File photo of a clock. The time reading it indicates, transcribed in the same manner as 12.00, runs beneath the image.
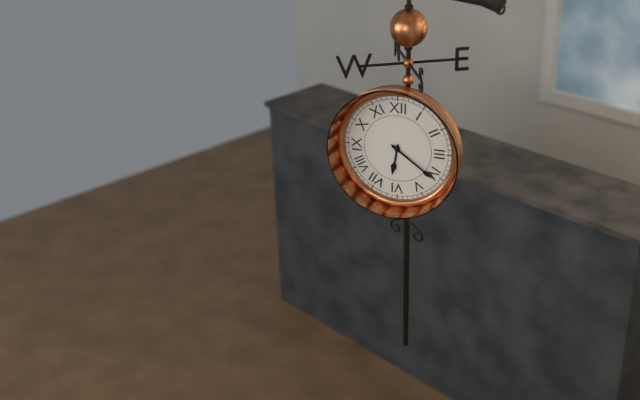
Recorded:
6.21
